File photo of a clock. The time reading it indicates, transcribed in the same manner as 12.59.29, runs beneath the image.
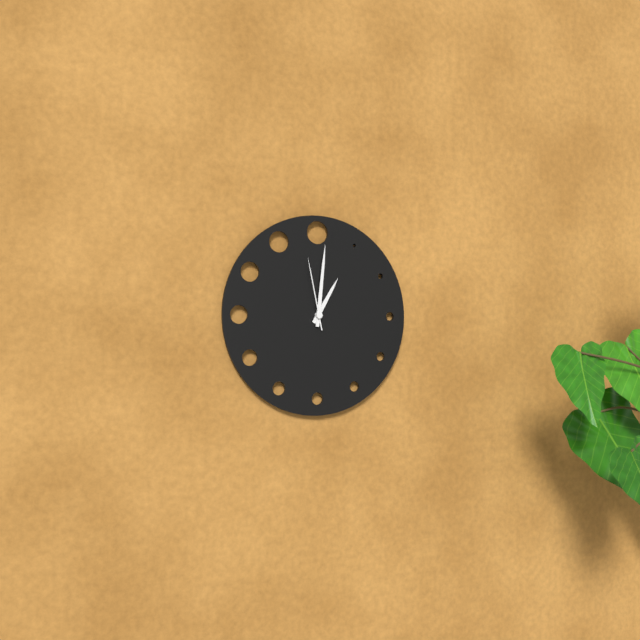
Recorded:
1.01.58
